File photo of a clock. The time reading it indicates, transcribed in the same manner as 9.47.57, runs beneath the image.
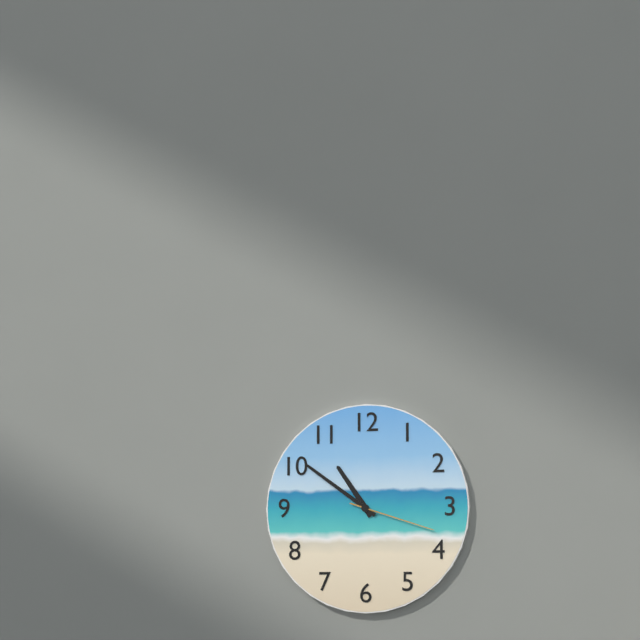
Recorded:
10.51.18
